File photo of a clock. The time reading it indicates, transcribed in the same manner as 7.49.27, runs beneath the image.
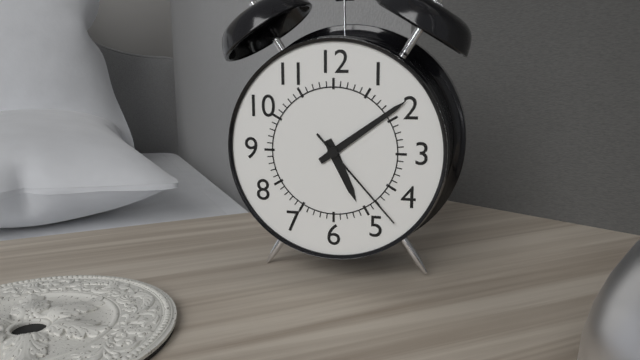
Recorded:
5.09.23
